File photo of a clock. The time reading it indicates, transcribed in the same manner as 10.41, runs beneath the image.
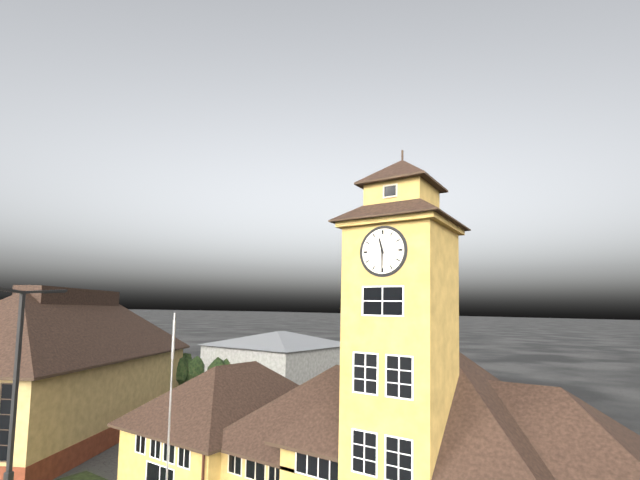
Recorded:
11.30
